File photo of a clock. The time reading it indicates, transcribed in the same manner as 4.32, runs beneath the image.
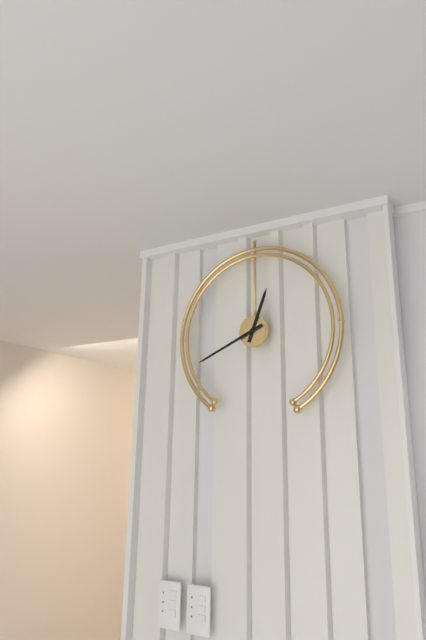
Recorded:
12.41
